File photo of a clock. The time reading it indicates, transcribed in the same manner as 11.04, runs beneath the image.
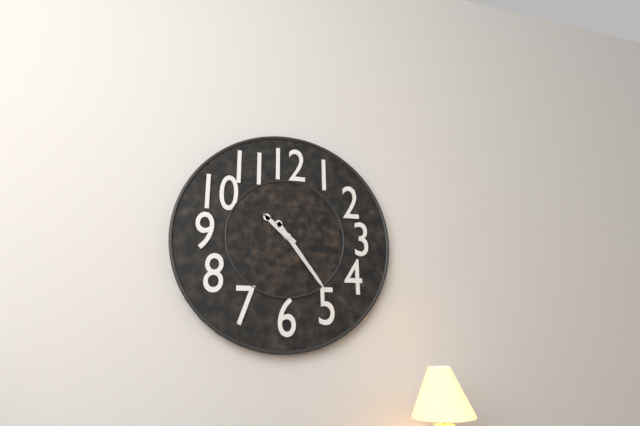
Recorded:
10.24
